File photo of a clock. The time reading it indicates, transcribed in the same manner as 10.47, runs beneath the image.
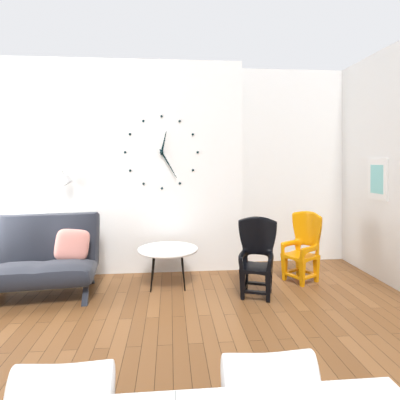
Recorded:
12.25
